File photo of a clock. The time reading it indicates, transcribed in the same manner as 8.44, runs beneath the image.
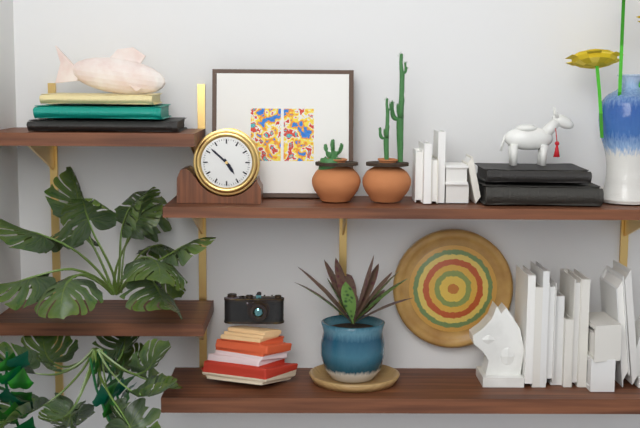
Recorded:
4.52
